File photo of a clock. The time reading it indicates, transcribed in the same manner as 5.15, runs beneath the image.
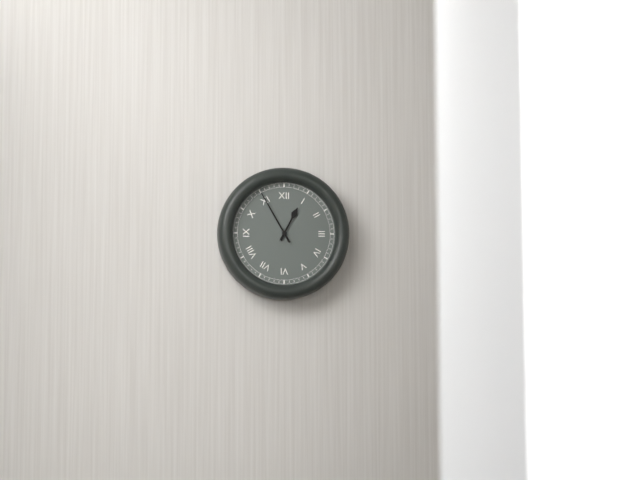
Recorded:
12.55
